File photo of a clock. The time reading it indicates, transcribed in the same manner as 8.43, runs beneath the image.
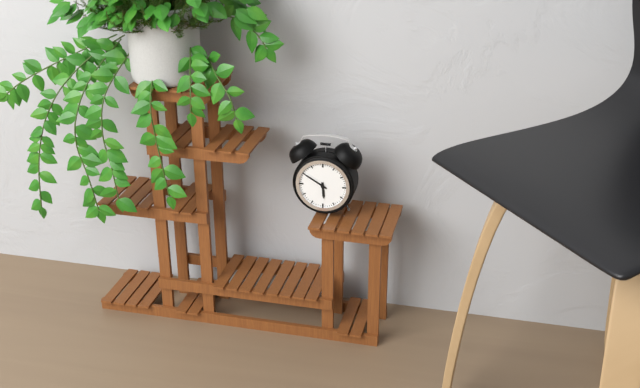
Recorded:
5.50
